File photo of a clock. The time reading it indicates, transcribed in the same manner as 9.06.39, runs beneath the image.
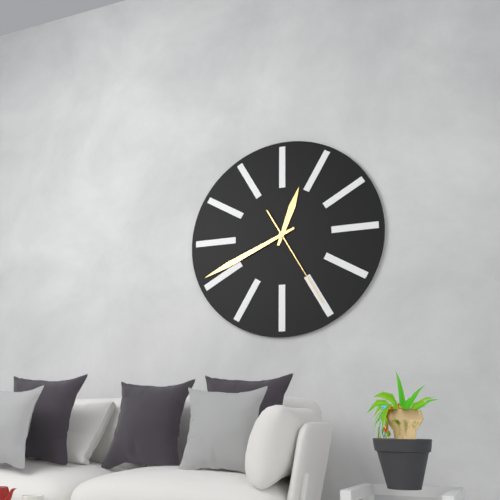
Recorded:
12.41.25
